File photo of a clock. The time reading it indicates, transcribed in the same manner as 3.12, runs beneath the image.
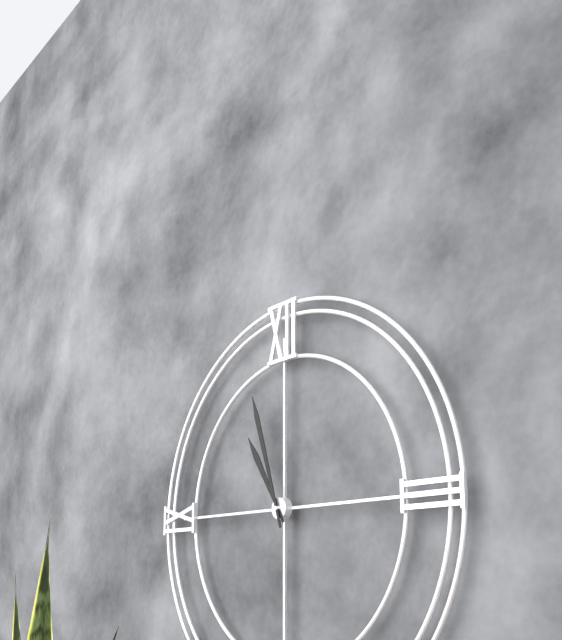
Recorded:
10.57
